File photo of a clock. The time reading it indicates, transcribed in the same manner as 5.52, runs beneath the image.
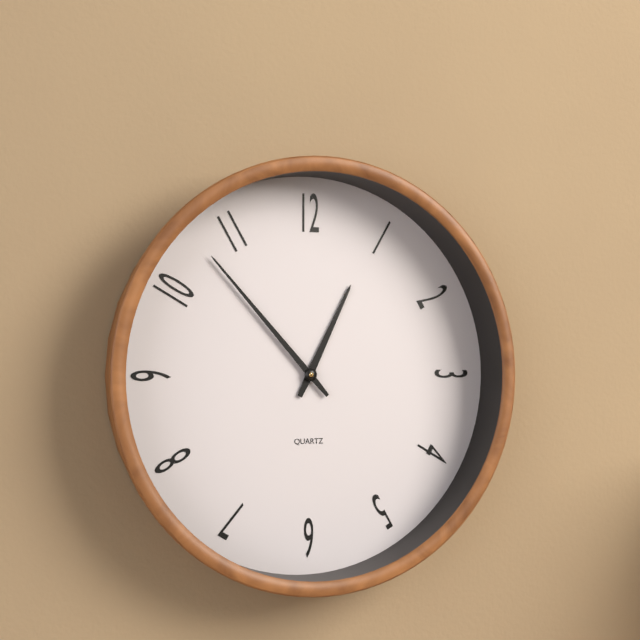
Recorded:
12.53
